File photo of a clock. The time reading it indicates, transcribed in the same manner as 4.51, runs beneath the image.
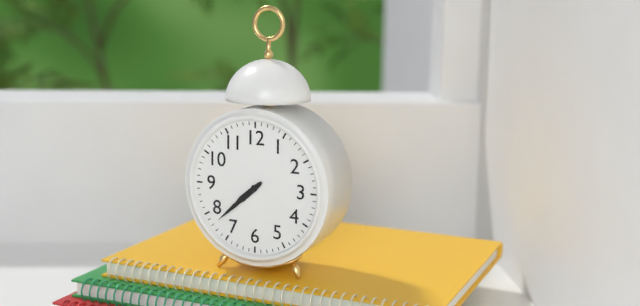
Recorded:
7.38
